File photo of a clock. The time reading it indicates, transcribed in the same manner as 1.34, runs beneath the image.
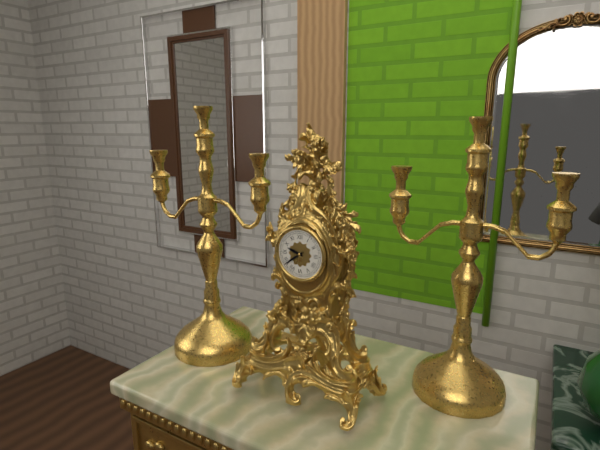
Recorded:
9.39
